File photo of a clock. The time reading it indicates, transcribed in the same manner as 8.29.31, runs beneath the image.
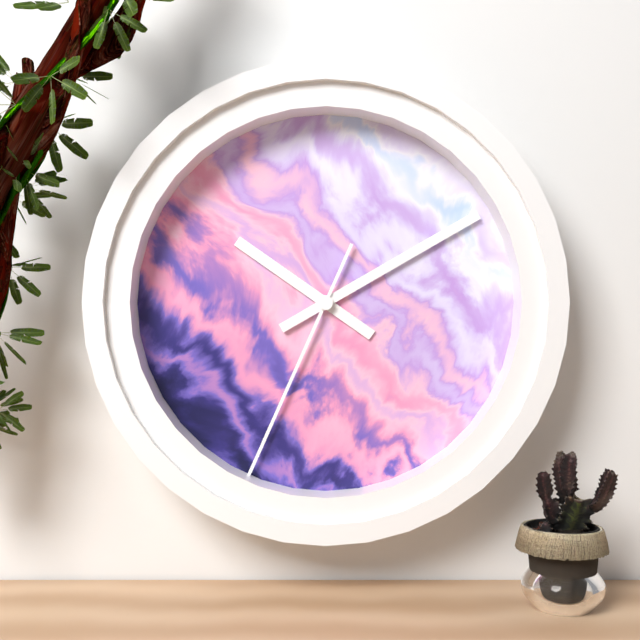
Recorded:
10.10.34
